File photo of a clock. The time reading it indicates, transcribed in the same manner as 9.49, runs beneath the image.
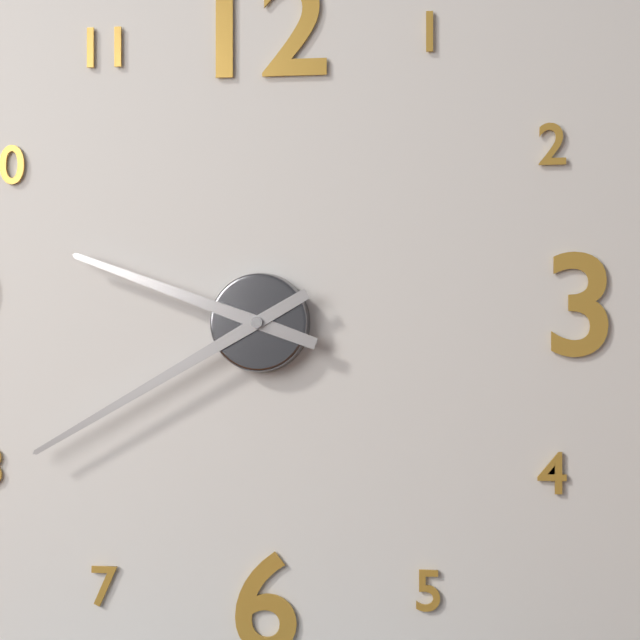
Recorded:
9.40
